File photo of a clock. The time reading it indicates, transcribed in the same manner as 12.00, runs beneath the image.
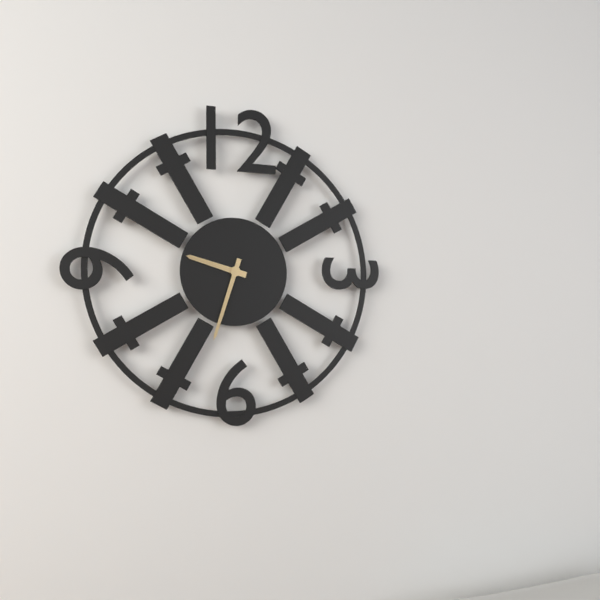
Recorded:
9.33
